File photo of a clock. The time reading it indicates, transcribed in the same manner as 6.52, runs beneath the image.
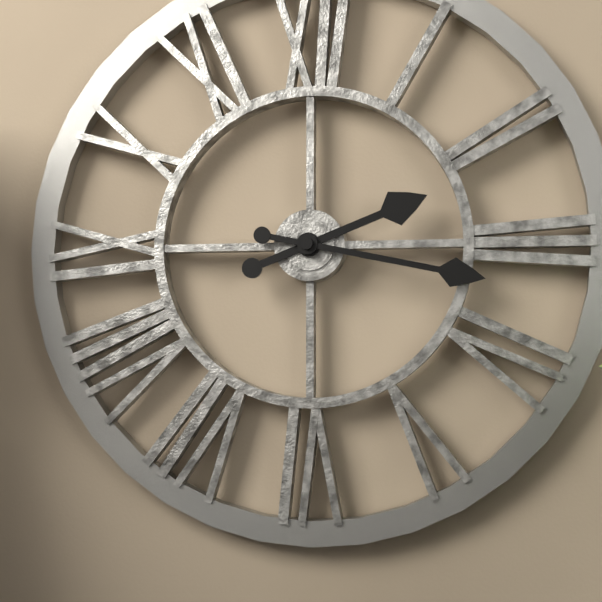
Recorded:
2.17
